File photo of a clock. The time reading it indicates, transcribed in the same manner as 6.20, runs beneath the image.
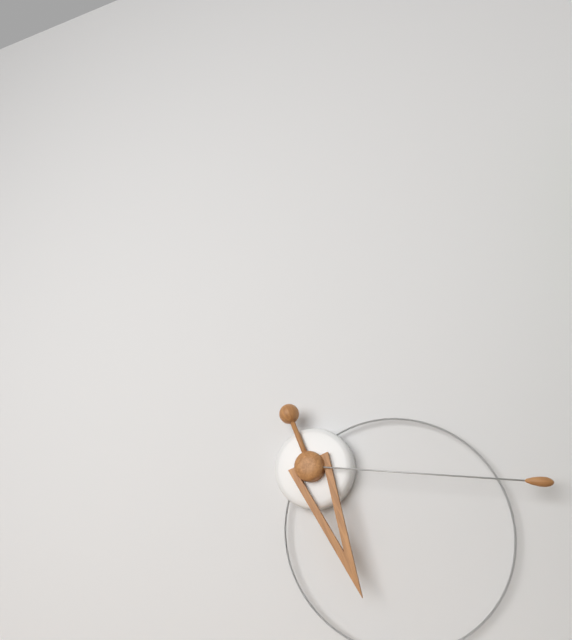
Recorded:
5.16
